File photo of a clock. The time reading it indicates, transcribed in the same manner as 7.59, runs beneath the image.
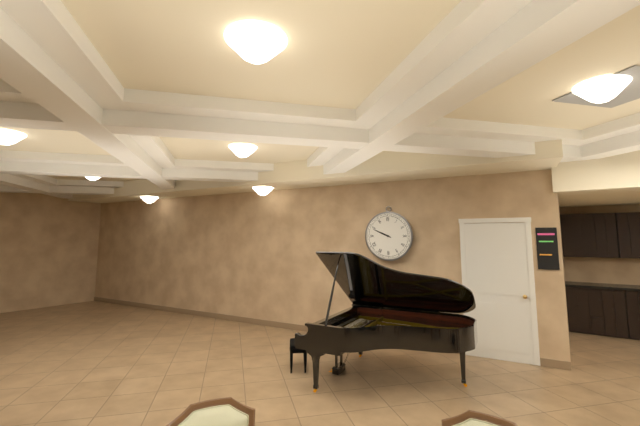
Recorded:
9.49
